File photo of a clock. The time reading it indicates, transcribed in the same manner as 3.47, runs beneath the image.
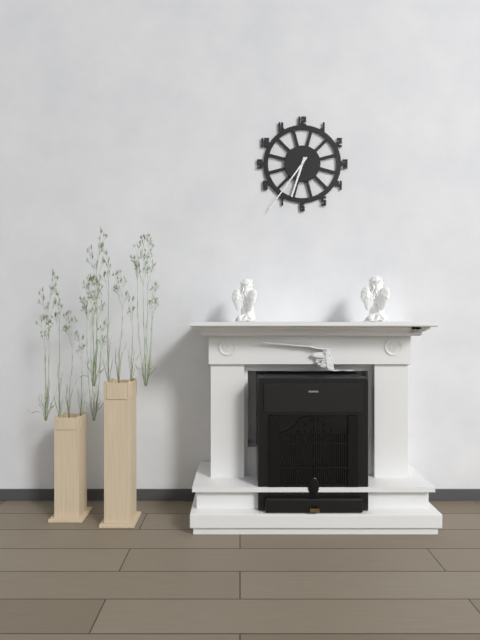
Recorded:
6.36
